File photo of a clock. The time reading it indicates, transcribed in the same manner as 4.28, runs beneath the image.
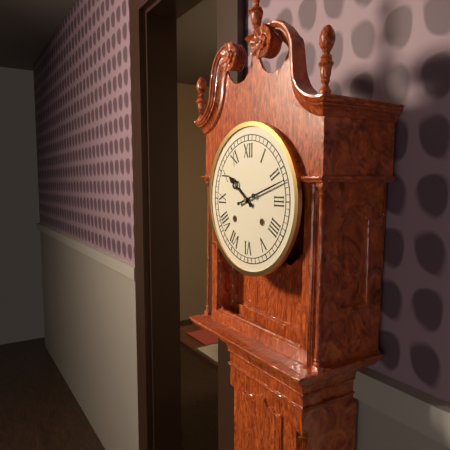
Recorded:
10.12
